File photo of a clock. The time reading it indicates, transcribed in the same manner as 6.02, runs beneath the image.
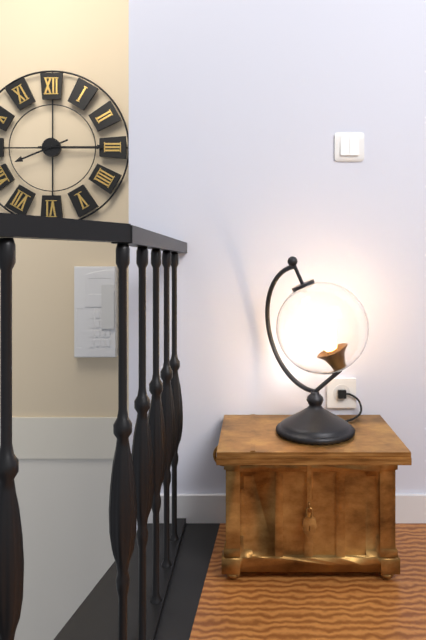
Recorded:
8.15
